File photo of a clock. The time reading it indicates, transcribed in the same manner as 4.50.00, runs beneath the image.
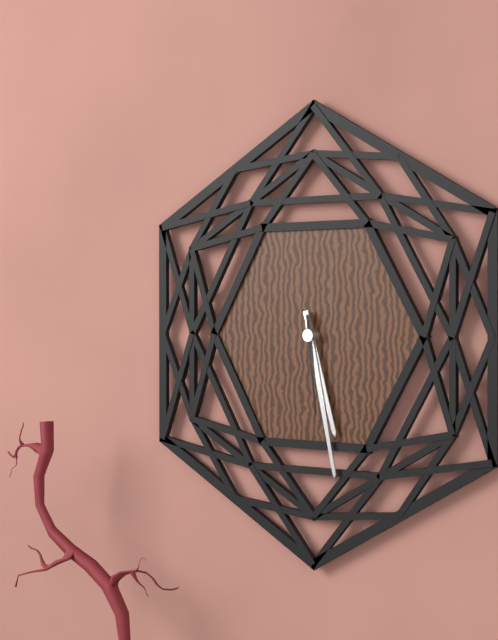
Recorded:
5.28.29
